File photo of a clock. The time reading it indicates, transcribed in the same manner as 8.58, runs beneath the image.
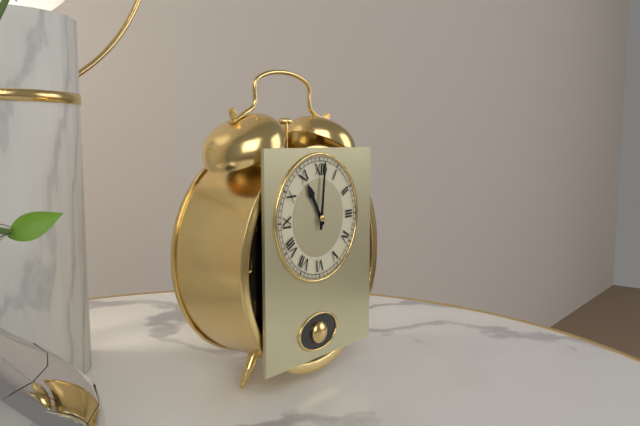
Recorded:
11.01
